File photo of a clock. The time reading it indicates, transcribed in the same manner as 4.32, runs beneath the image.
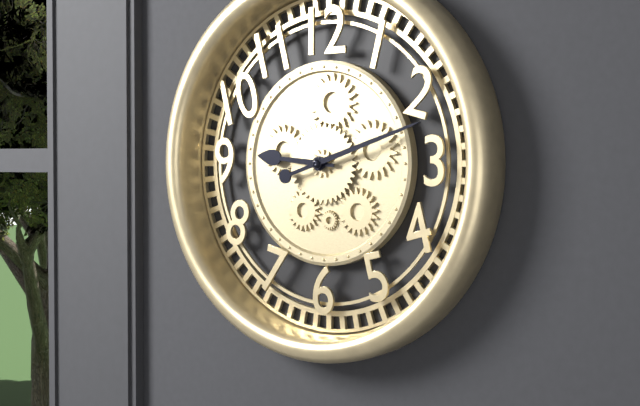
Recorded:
9.12
